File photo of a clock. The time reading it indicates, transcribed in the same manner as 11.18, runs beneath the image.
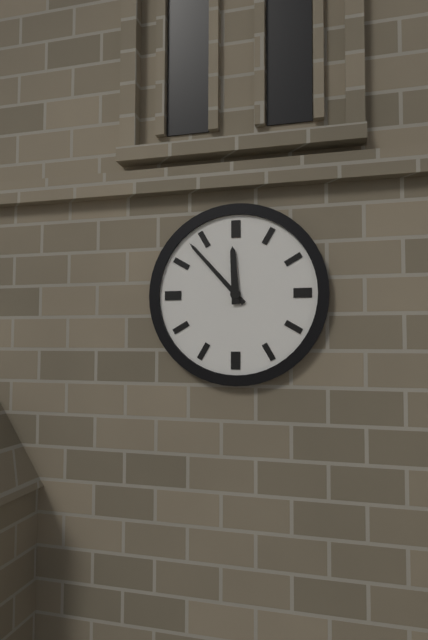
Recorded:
11.53
